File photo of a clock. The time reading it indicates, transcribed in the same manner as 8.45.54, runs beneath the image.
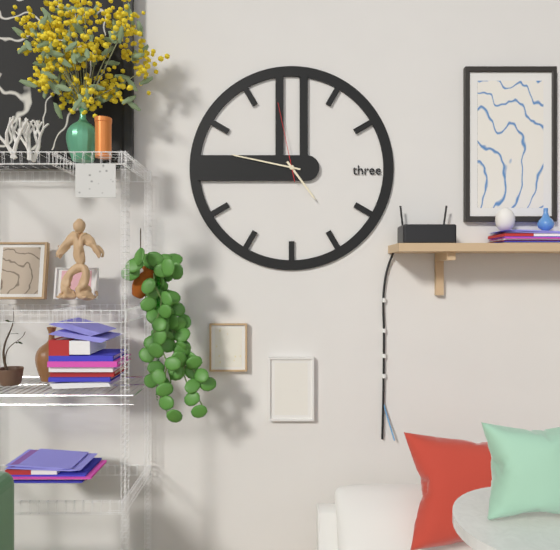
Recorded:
4.47.58
